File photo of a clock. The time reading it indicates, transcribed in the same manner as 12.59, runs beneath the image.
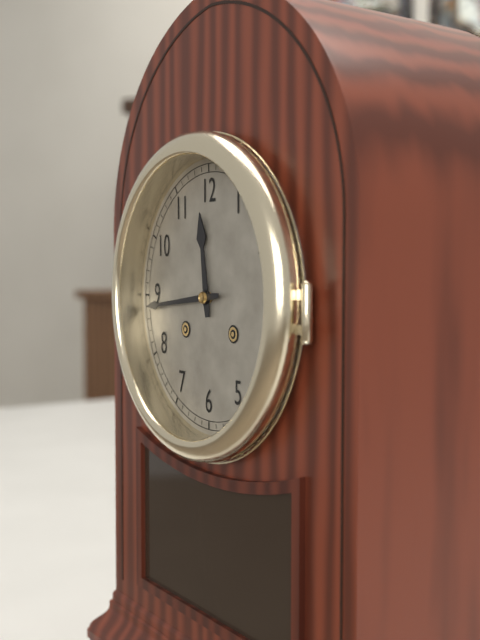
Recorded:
11.44
